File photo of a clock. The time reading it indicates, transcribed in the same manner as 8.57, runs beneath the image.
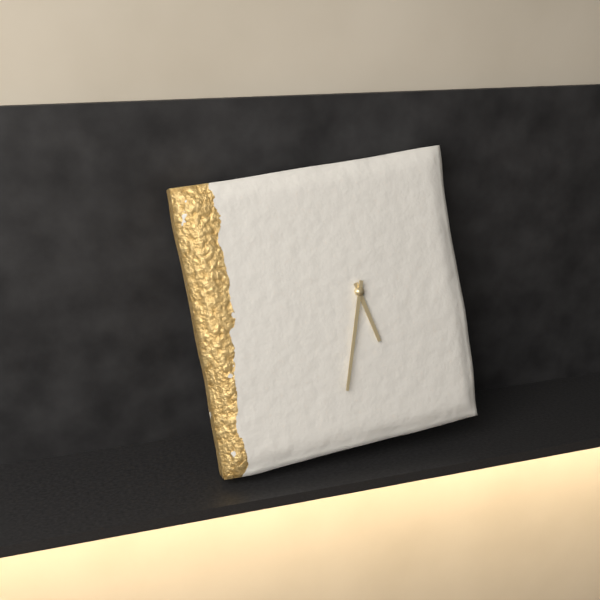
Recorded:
5.33
